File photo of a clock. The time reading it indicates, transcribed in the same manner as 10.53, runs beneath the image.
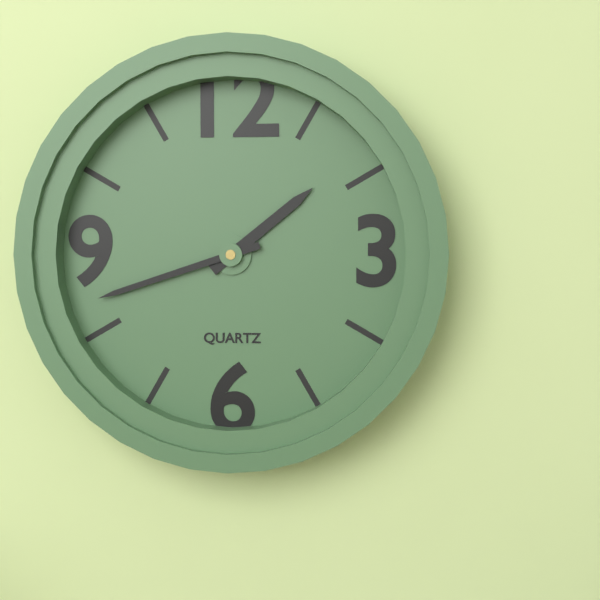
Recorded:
1.42
